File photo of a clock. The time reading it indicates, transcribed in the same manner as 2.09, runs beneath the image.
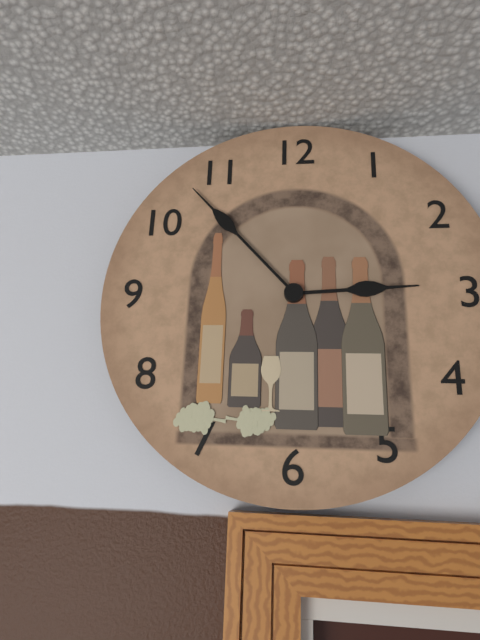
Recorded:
2.53
